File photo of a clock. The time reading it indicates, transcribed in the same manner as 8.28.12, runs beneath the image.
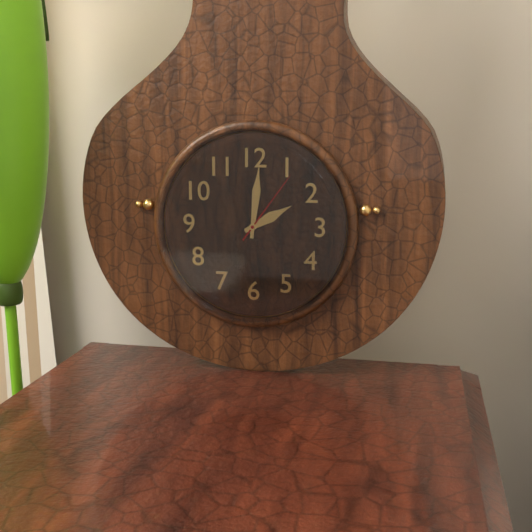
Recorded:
2.01.06
